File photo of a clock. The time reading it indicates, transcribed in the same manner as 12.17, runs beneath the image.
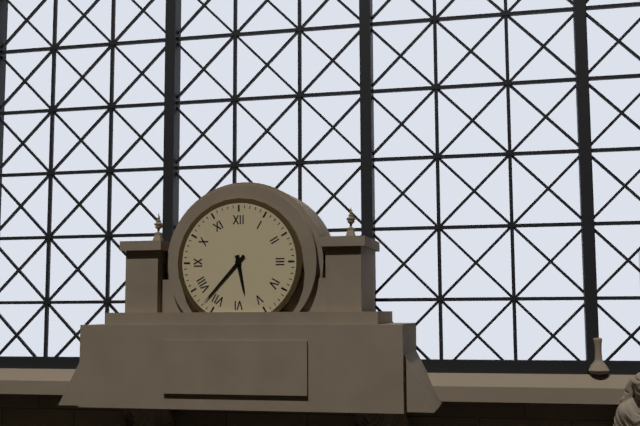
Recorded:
5.37
